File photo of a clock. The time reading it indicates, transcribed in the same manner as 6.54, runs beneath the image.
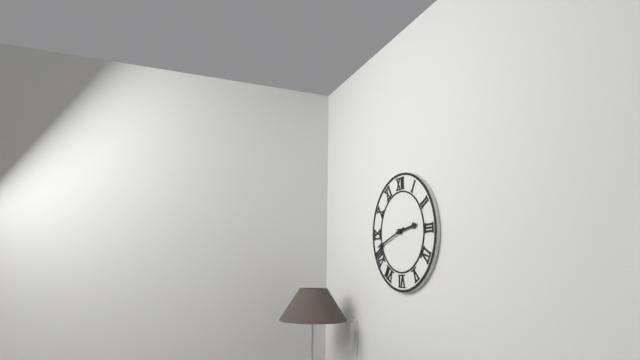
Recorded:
2.42
